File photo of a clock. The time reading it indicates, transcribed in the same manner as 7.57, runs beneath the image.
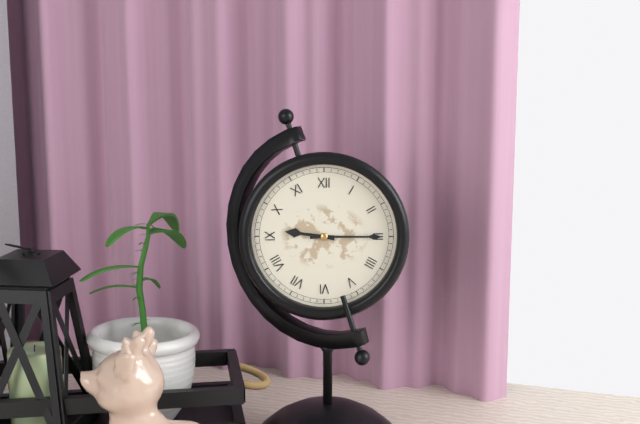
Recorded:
9.15
